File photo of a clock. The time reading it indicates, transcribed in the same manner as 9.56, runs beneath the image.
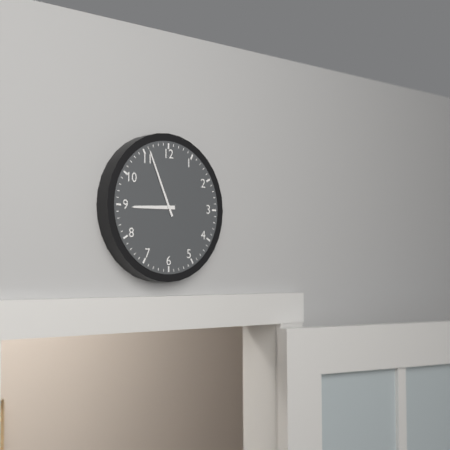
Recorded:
8.56
